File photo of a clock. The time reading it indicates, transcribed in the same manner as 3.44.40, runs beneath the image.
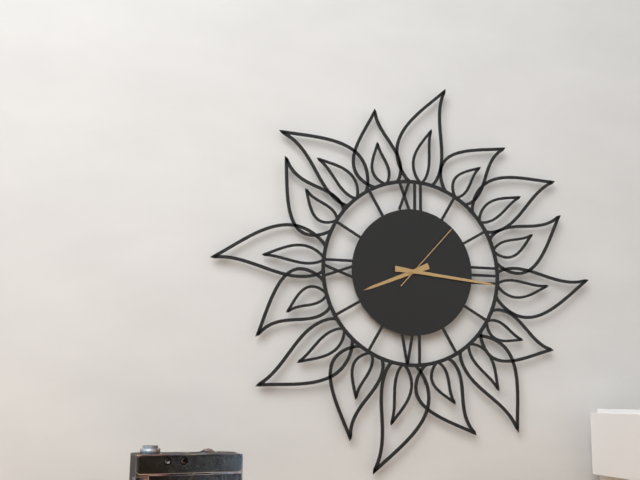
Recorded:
8.16.07
